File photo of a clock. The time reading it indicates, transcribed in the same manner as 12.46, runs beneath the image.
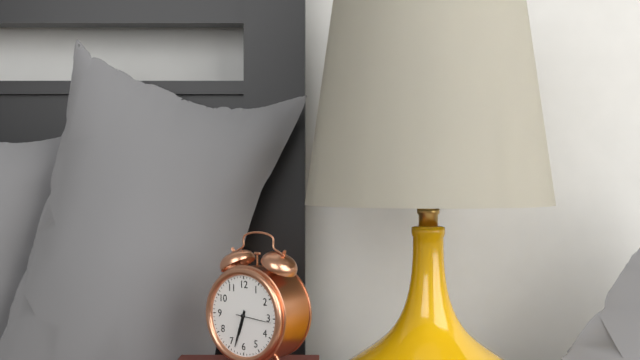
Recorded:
6.33
